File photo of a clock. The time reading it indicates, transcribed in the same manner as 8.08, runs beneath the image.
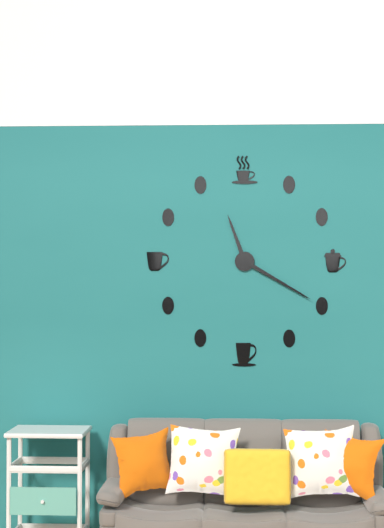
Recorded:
11.20
